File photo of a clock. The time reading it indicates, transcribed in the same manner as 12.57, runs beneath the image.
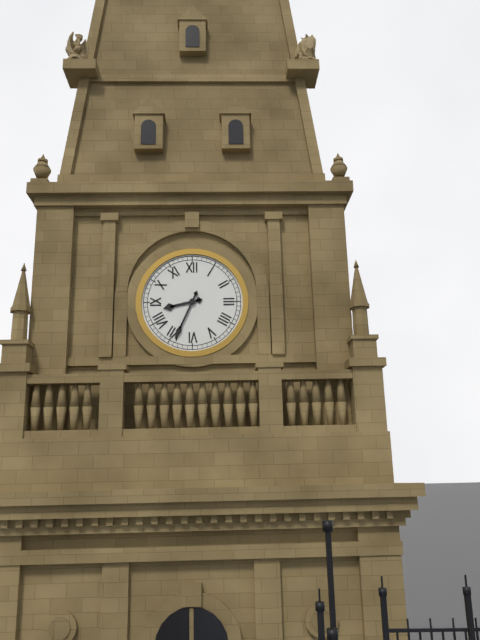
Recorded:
8.34
